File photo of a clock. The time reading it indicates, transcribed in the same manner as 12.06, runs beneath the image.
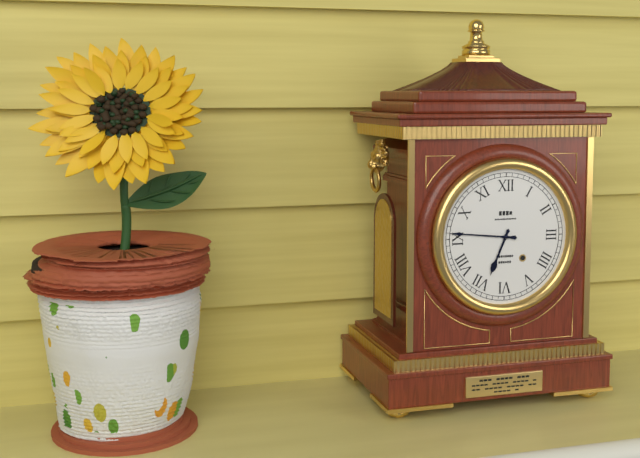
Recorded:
6.46
